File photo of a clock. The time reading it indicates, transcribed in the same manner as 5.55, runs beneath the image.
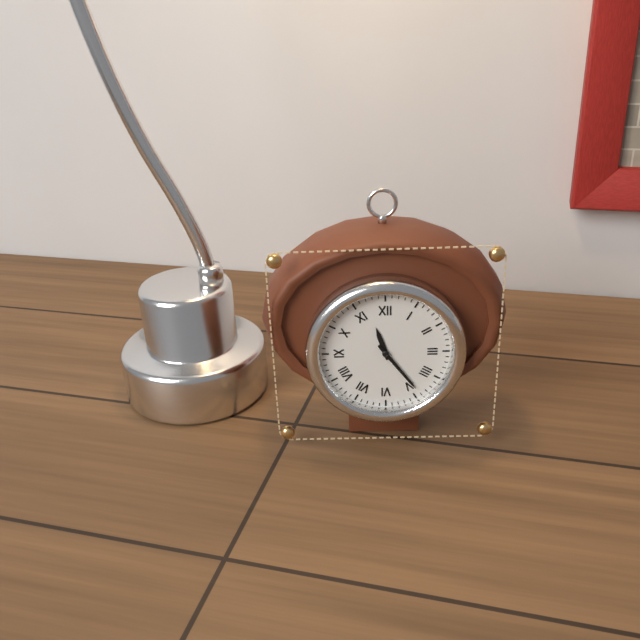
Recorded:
11.24
